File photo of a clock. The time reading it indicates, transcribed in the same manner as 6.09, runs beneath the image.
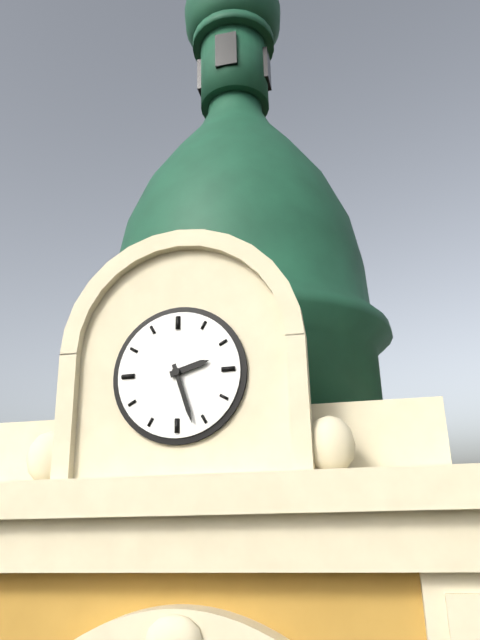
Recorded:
2.27
